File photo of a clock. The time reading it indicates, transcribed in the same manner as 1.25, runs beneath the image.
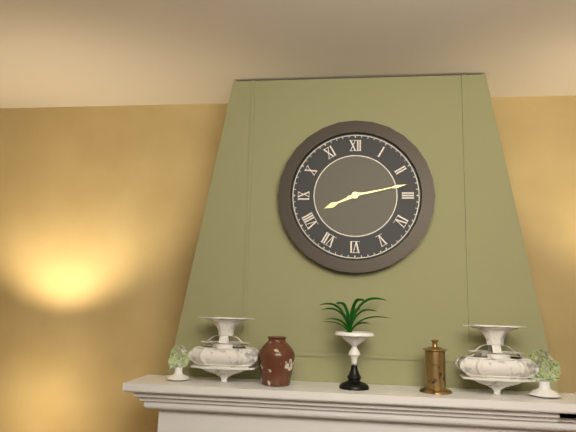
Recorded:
8.13
